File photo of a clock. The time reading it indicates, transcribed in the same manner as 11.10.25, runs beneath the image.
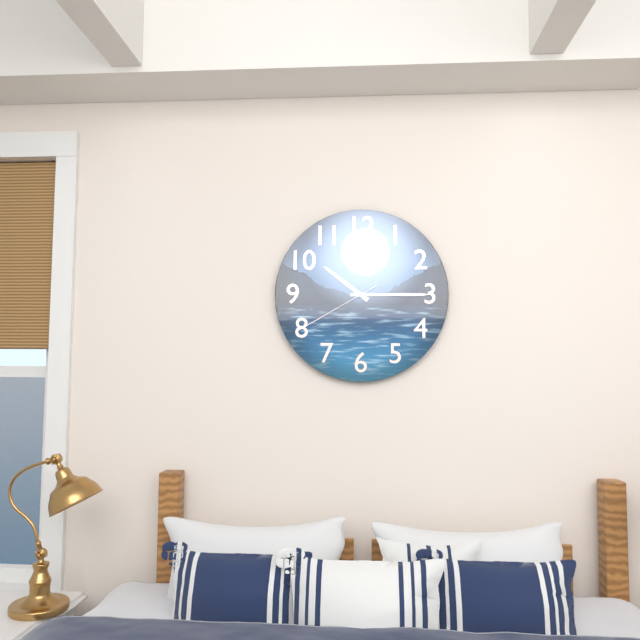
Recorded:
10.15.40
